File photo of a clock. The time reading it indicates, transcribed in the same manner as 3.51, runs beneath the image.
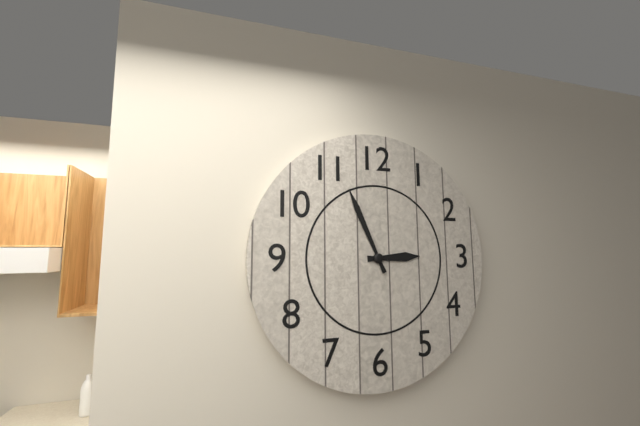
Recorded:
2.56
